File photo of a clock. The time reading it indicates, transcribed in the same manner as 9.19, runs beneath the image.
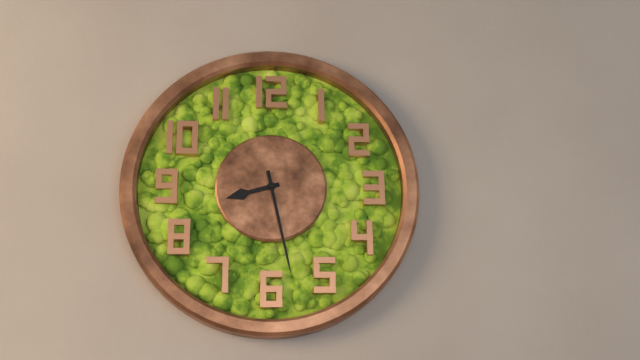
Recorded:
8.28
